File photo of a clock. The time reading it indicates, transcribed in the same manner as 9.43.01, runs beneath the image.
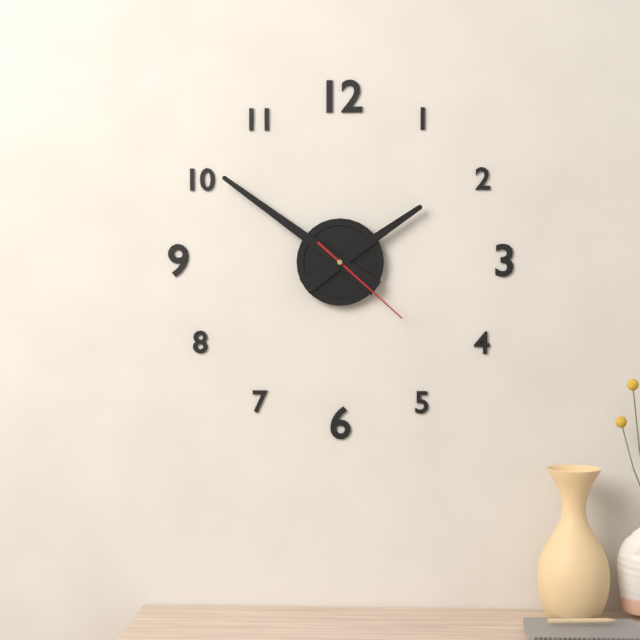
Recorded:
1.51.22
